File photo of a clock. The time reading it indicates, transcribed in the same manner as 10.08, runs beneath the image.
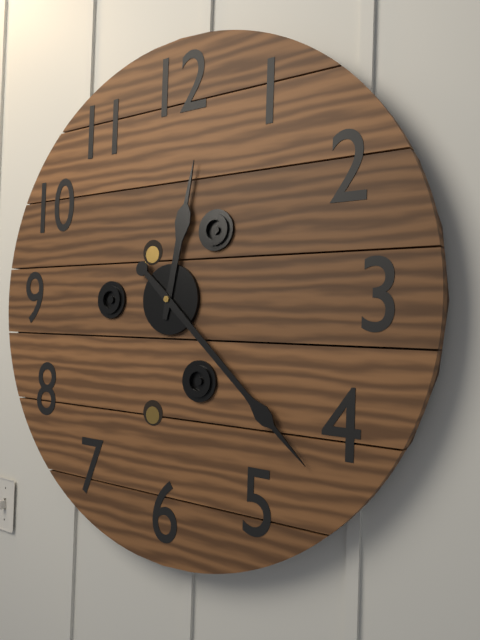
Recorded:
12.22
